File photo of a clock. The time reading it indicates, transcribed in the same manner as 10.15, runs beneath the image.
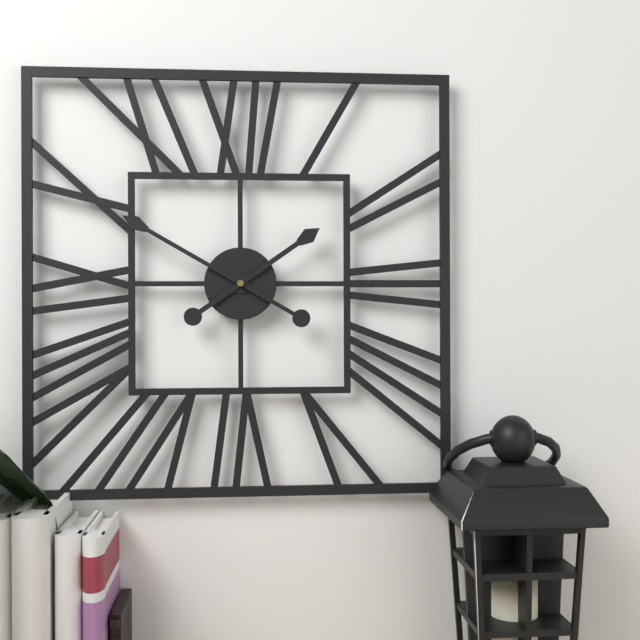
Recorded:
1.50
